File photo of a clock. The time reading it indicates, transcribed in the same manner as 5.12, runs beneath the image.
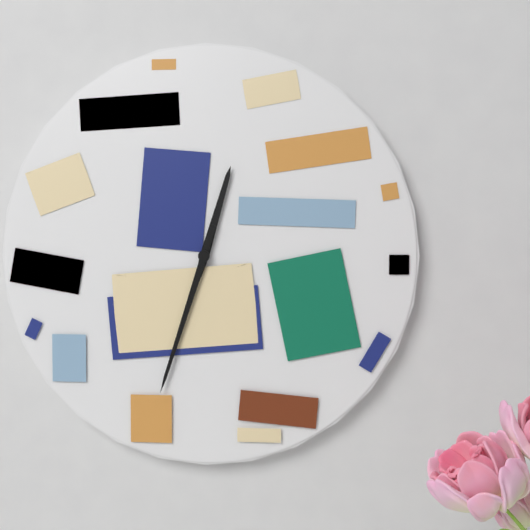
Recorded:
12.33
